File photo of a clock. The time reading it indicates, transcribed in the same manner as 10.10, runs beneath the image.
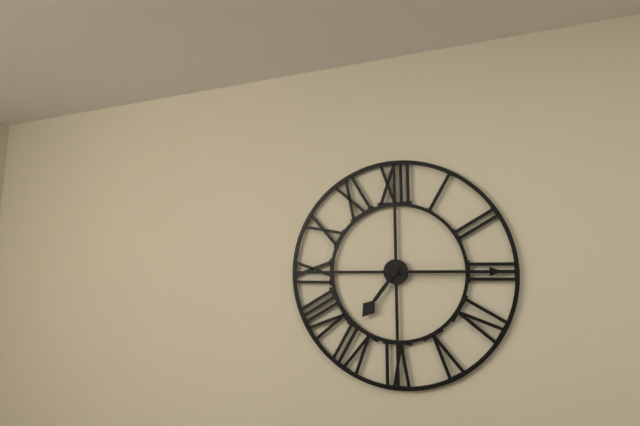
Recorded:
7.15
